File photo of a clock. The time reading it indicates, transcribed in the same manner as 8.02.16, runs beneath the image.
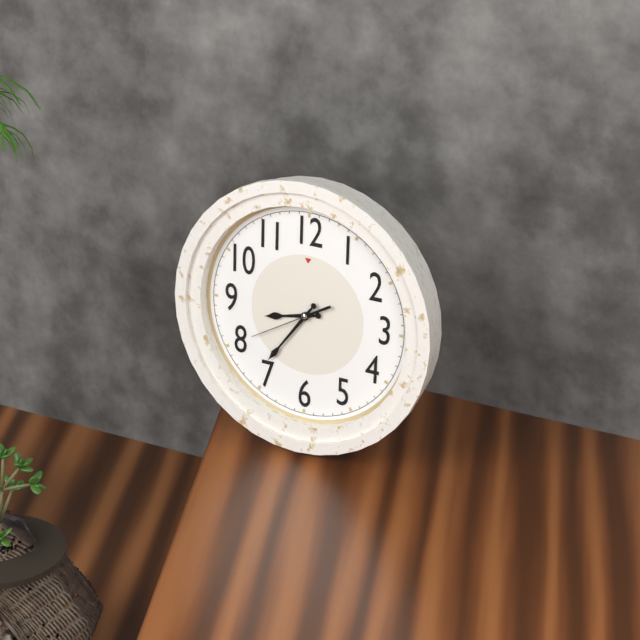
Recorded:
8.36.40
